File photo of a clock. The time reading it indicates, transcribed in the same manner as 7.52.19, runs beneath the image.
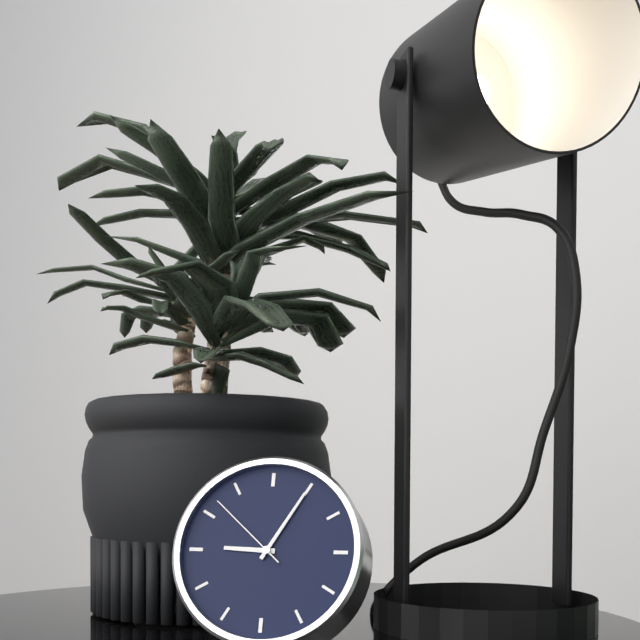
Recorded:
9.05.52
